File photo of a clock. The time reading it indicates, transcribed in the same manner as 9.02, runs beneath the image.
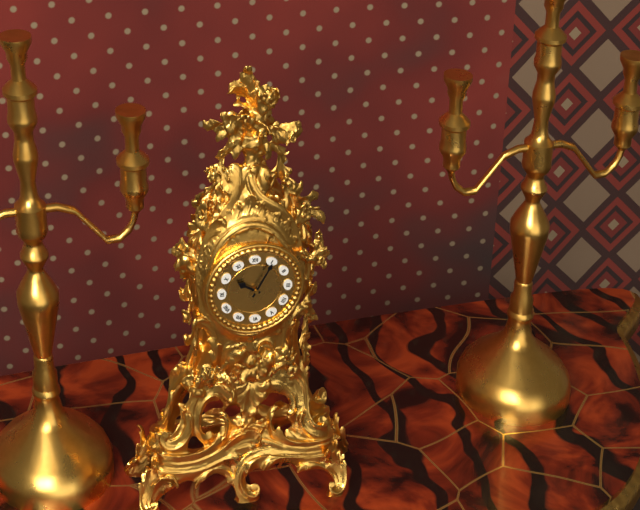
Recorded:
10.05
